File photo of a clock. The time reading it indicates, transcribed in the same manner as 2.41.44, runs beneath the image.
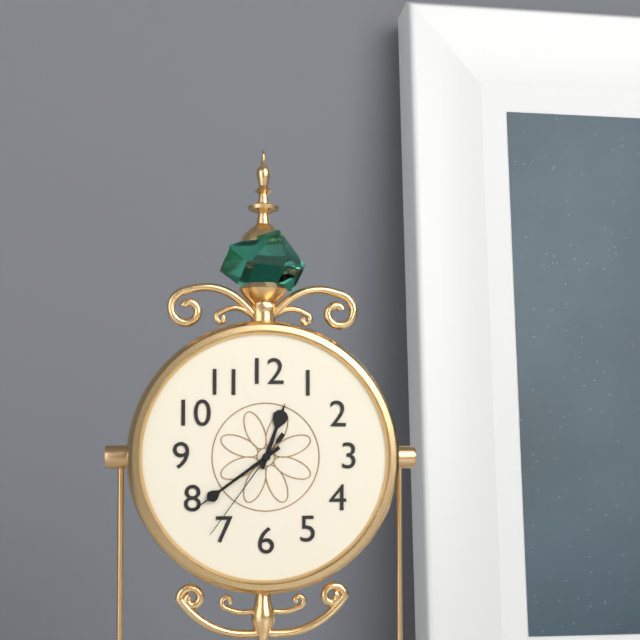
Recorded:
12.39.36
